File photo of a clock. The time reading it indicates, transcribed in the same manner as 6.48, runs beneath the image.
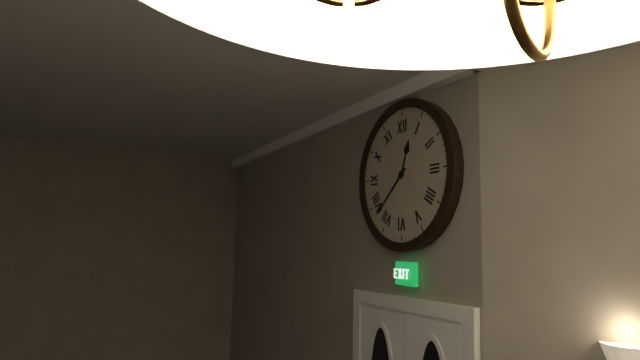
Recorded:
12.38
